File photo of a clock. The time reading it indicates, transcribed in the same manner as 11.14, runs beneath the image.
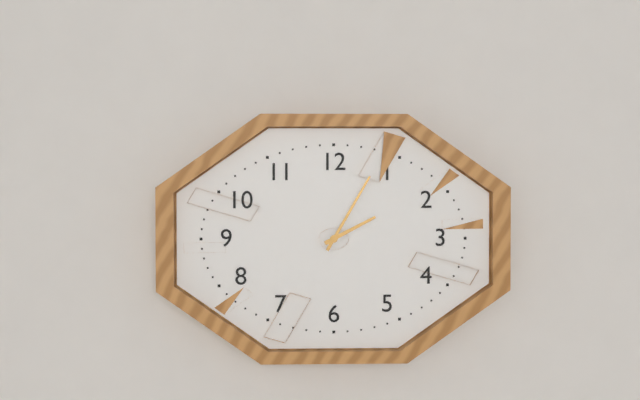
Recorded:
2.05
